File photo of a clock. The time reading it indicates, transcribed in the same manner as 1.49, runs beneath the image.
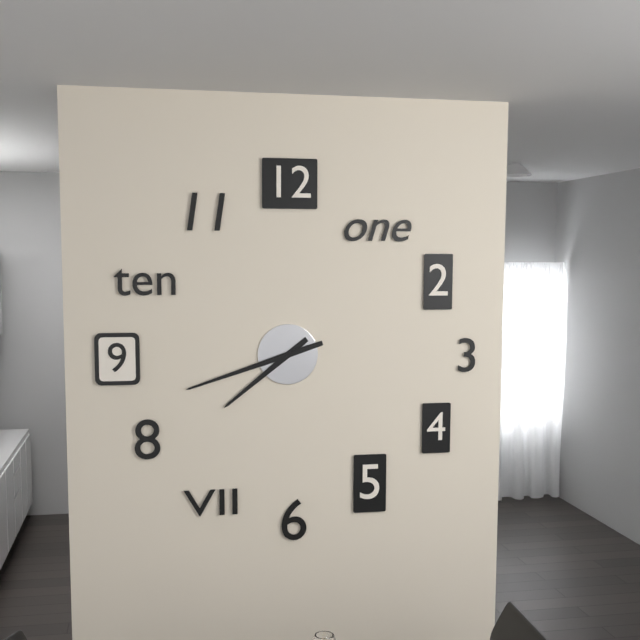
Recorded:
7.42
